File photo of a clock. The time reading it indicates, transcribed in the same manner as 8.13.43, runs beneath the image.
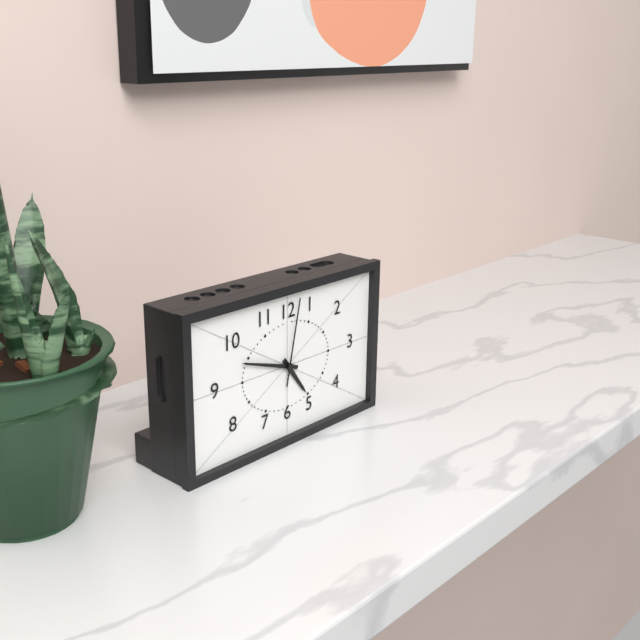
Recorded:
4.48.02
